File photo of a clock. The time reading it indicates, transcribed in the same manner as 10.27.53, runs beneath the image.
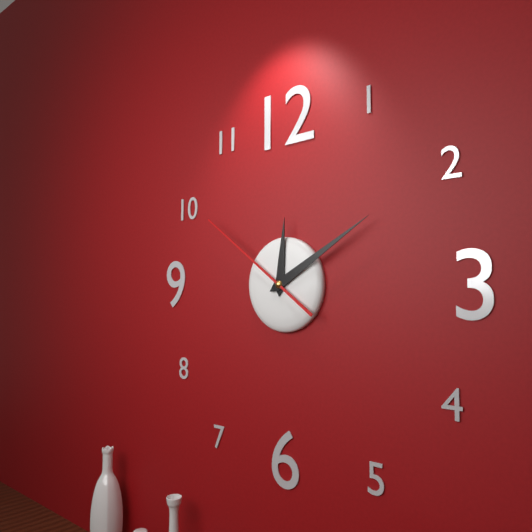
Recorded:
12.10.51
